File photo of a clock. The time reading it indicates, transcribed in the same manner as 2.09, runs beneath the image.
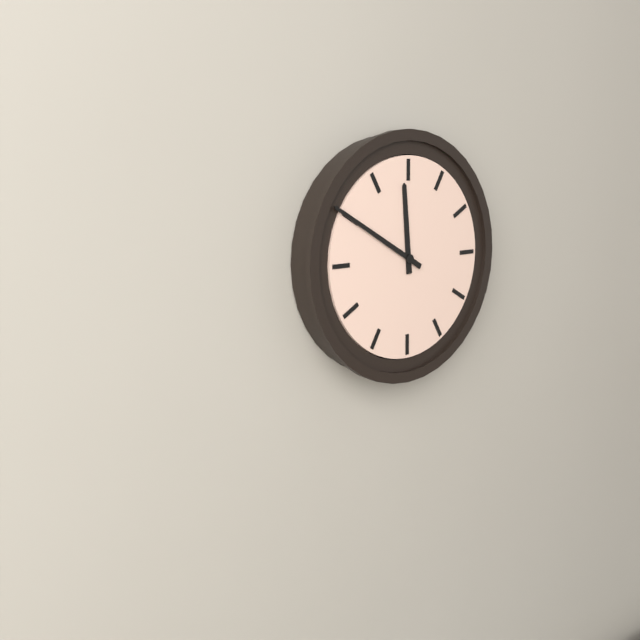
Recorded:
11.50
